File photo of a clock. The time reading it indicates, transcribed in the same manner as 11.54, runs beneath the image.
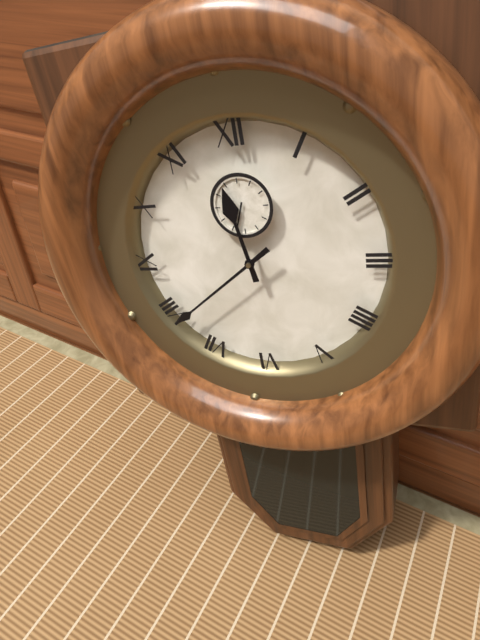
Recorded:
11.39
